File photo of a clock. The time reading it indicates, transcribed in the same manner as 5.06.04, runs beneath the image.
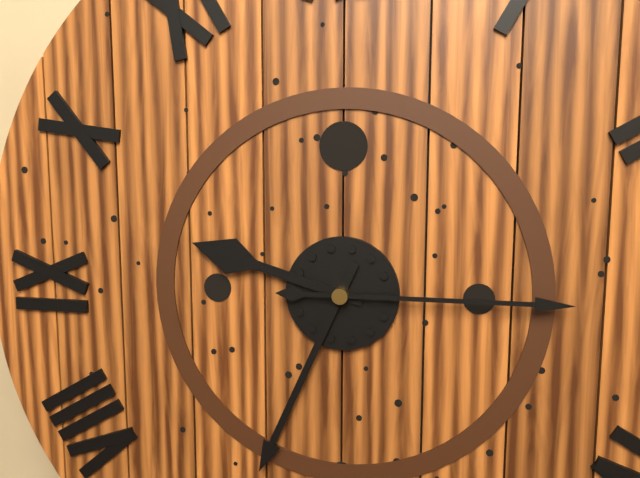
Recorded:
9.34.15
